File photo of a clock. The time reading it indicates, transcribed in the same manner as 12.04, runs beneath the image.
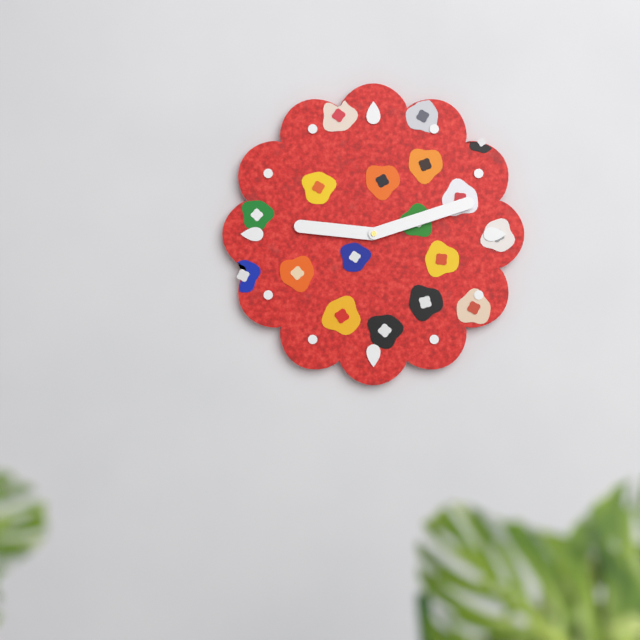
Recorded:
9.12
